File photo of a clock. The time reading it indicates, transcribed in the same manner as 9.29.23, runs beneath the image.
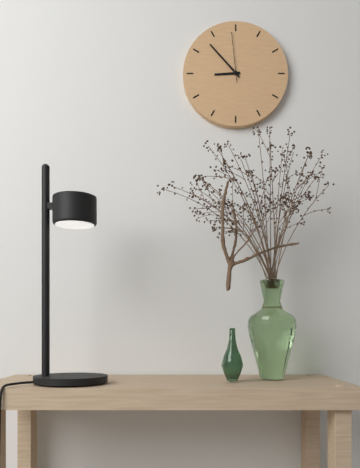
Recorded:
8.53.59
